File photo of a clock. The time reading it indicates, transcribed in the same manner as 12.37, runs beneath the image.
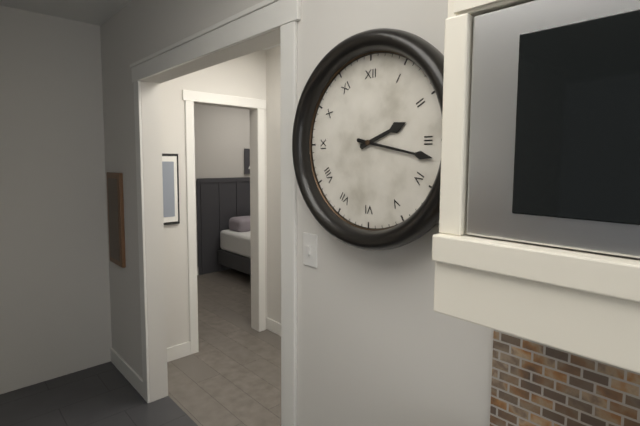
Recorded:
2.17
